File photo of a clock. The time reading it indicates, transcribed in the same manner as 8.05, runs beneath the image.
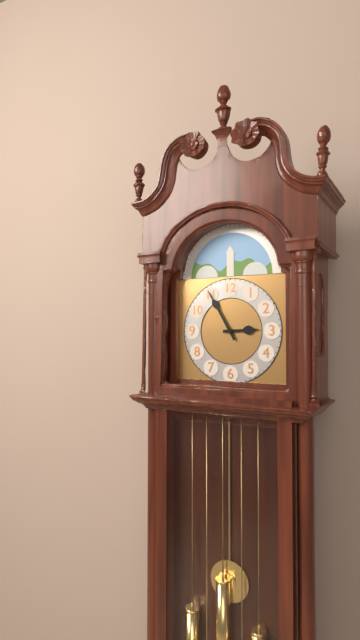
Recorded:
2.55
